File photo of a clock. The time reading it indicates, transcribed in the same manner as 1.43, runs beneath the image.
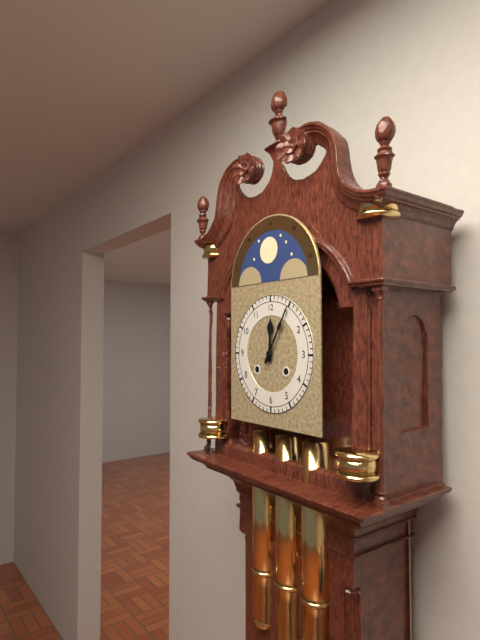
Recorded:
12.05
